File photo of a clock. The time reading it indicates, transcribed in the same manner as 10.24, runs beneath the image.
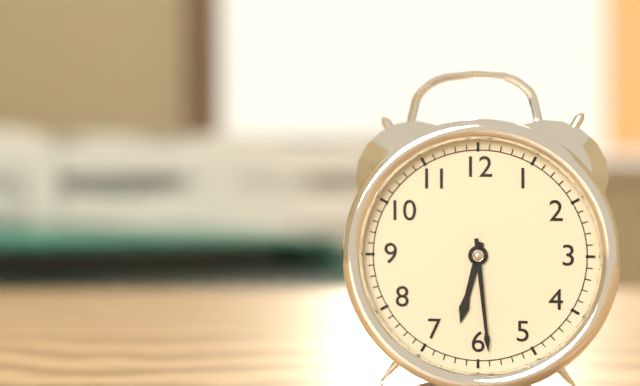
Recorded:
6.29
